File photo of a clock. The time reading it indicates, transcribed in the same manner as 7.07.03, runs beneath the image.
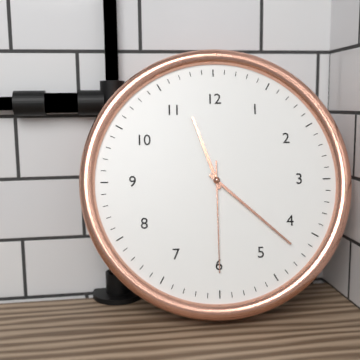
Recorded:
11.22.30
